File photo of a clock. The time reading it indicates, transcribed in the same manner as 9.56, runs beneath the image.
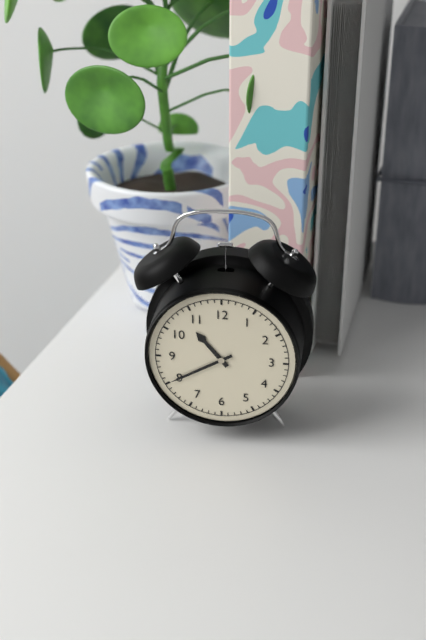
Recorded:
10.40
